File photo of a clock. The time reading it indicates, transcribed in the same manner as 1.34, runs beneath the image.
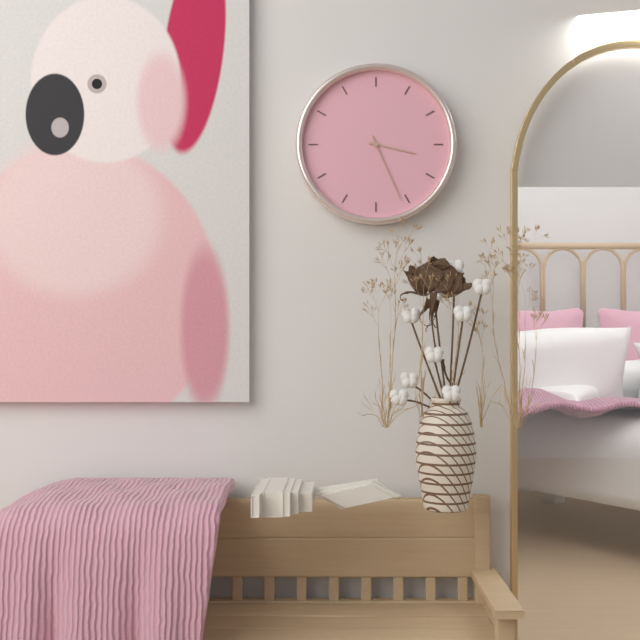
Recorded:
3.26
